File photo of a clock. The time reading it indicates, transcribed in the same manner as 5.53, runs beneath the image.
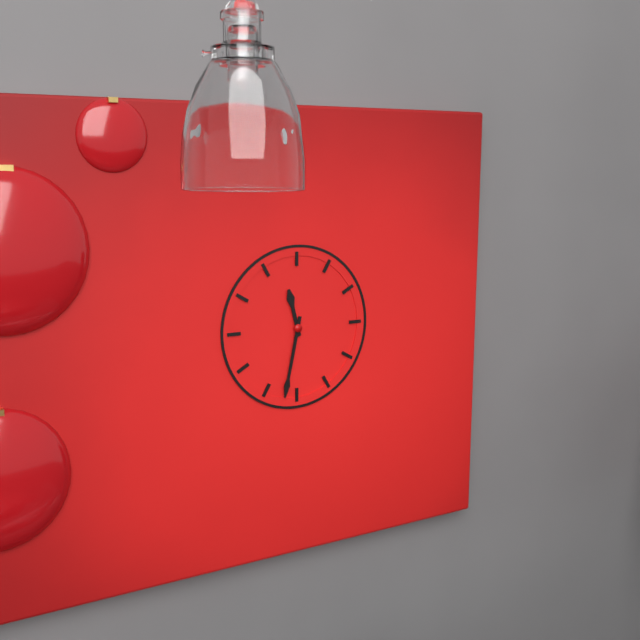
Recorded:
11.32
